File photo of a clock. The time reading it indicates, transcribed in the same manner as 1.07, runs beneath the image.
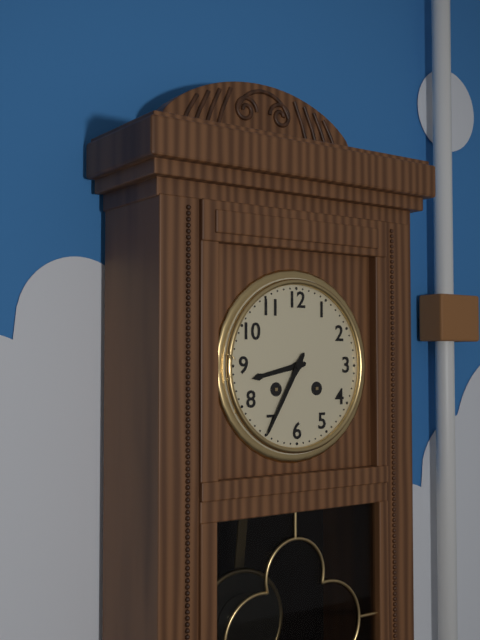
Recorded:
8.35
